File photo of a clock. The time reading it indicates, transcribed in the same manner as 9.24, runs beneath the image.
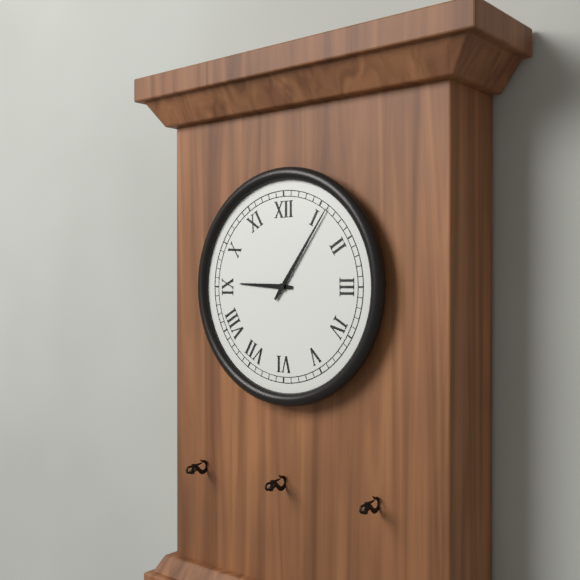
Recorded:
9.06
